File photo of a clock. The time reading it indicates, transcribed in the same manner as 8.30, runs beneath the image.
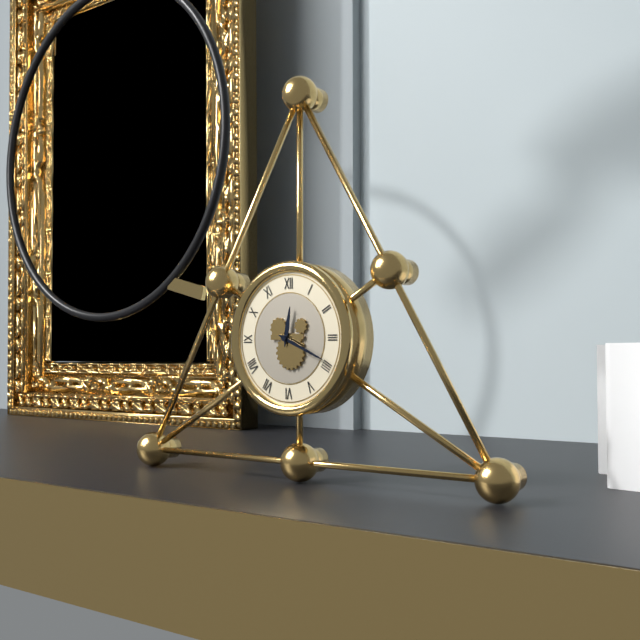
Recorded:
12.19
